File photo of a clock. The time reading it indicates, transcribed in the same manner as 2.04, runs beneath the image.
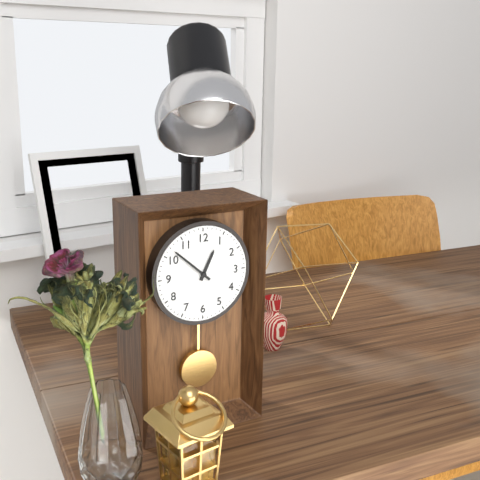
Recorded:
12.52
